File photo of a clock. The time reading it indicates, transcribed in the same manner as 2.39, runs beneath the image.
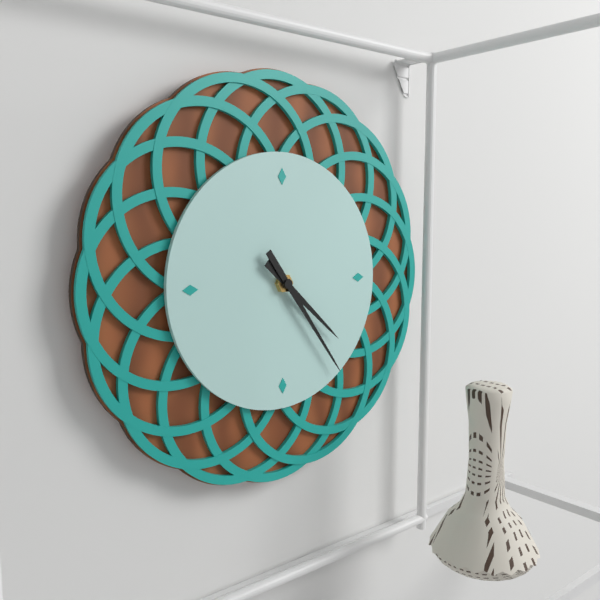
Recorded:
4.24
